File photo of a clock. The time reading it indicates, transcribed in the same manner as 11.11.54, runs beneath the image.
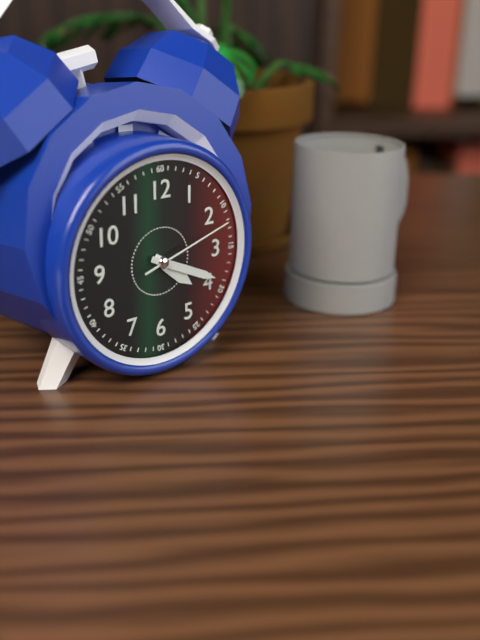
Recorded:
4.19.12
